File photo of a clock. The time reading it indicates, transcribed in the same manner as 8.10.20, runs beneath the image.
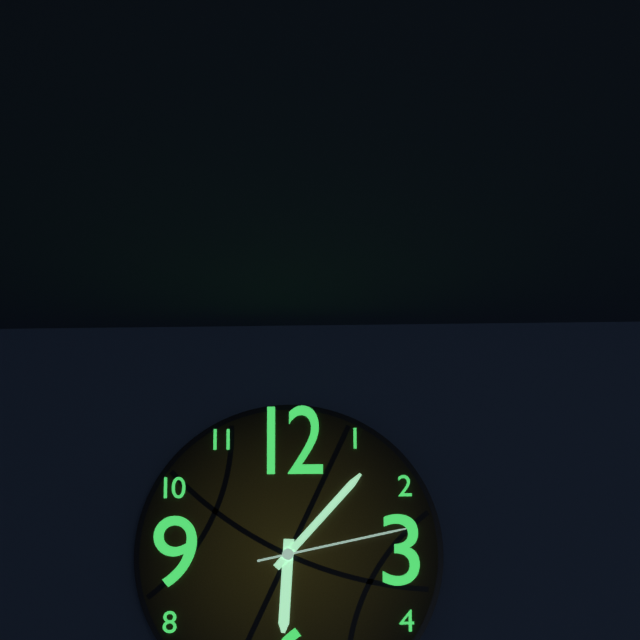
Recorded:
6.07.13
